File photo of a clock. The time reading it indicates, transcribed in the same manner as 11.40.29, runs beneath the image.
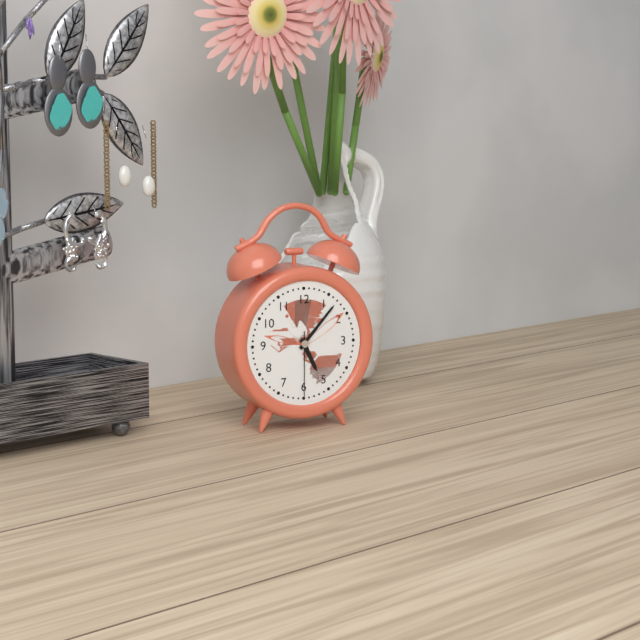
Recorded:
5.07.30
